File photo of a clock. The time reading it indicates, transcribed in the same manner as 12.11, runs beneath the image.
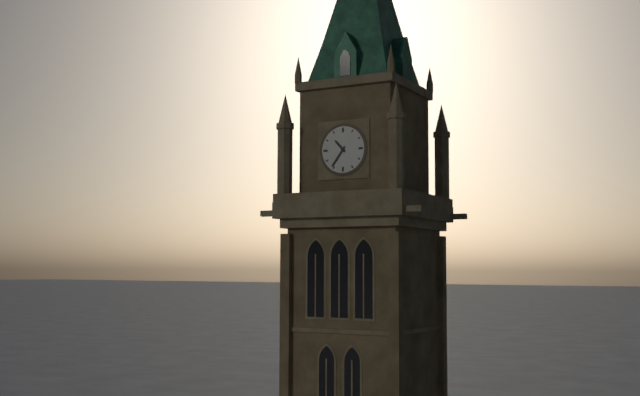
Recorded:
10.36
